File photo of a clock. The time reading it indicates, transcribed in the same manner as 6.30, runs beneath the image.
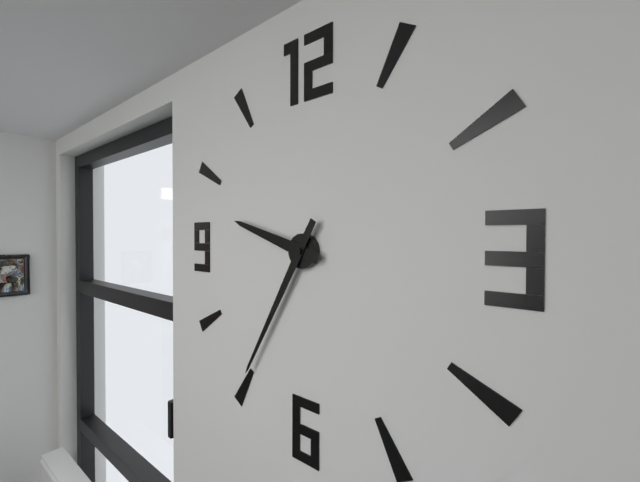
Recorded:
9.35
